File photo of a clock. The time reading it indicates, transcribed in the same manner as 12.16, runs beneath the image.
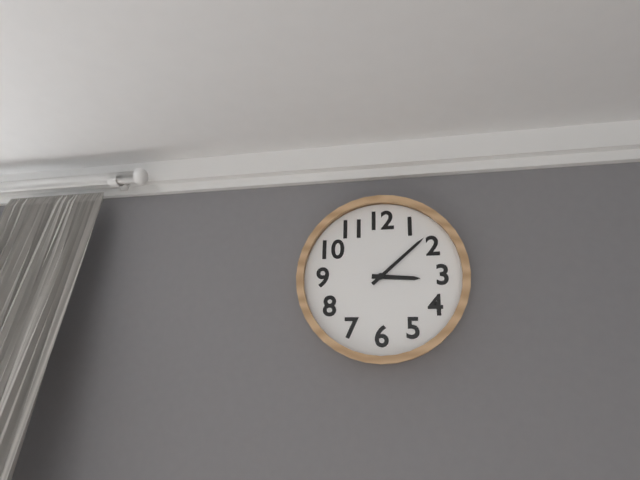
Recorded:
3.08
